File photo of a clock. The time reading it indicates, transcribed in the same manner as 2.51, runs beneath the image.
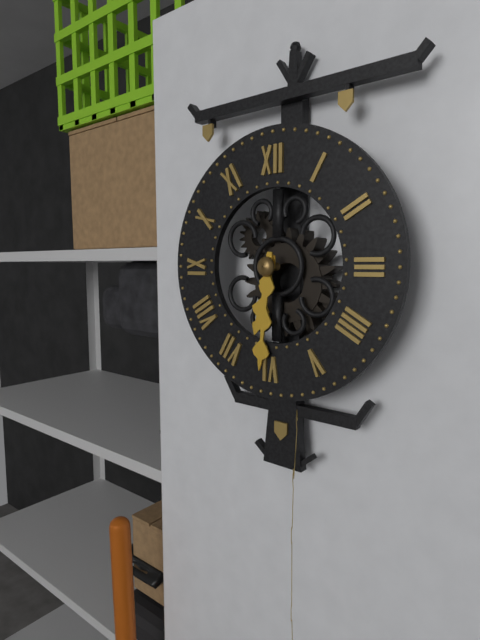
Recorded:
6.31
